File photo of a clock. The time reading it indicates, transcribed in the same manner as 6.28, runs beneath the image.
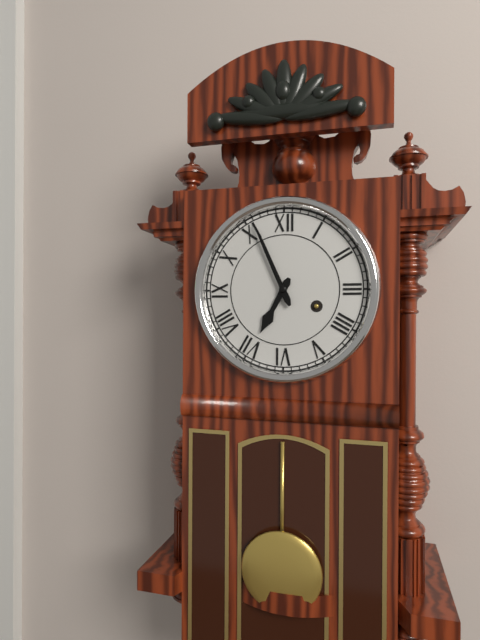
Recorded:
6.56
